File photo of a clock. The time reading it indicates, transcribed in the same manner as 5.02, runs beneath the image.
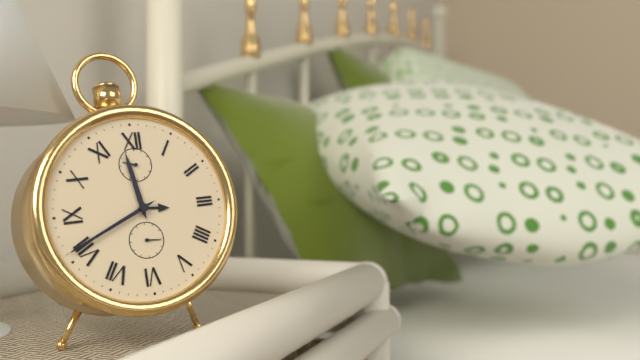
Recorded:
11.41
